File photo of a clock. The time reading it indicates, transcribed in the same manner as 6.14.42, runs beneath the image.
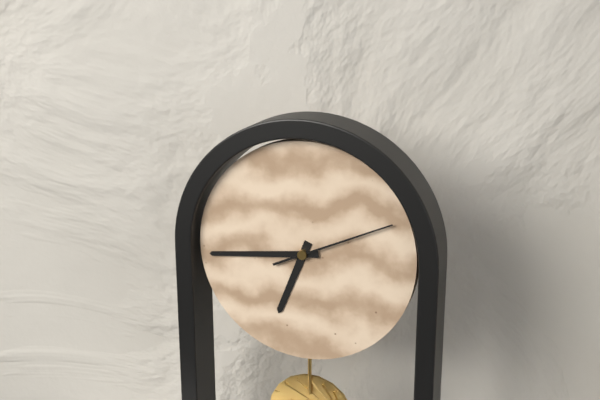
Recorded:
6.44.11
